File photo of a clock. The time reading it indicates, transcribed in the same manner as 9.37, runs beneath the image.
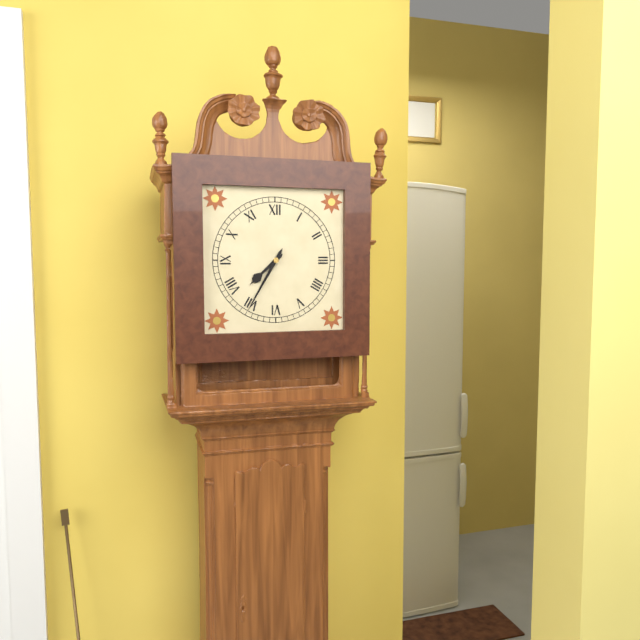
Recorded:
7.35
